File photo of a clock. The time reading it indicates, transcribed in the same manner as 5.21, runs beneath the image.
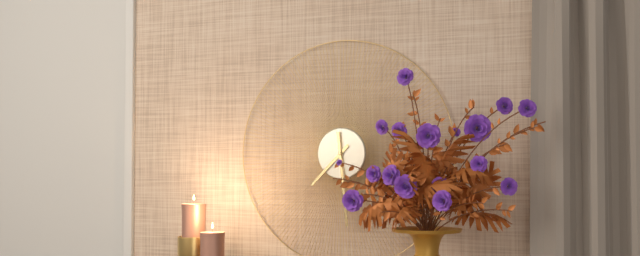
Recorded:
7.29
